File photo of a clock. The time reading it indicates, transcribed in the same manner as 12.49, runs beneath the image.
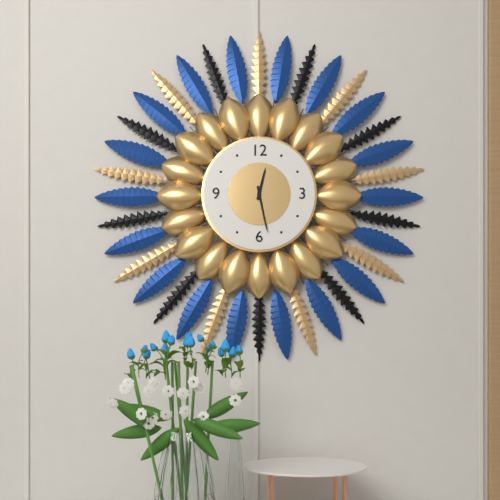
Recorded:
12.28
